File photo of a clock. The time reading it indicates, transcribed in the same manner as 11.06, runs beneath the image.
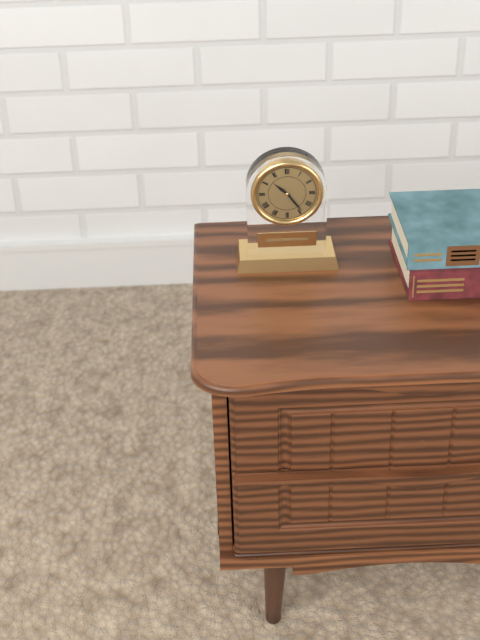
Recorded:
10.24
